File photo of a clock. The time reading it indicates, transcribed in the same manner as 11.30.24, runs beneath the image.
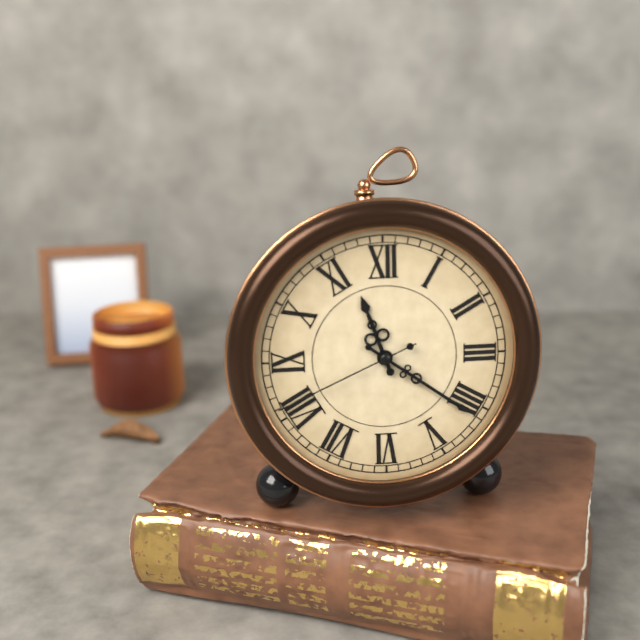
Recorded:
11.21.41
